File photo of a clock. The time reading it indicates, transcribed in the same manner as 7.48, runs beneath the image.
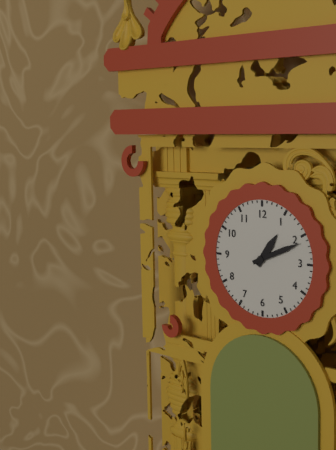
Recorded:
1.11
